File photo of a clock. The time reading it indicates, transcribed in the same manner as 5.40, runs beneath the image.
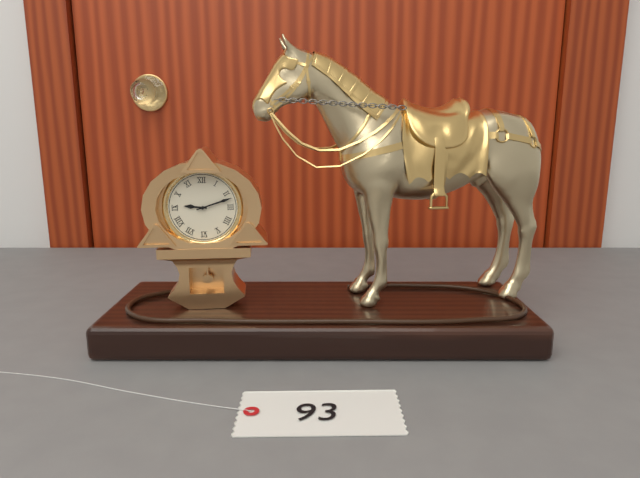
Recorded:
9.12
